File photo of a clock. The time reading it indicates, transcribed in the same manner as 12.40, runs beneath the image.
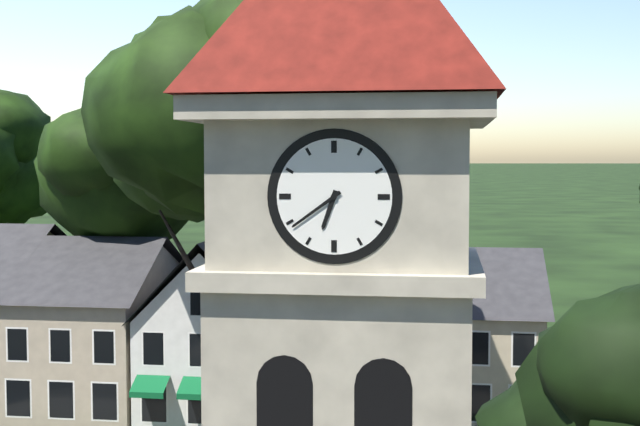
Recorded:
6.39
